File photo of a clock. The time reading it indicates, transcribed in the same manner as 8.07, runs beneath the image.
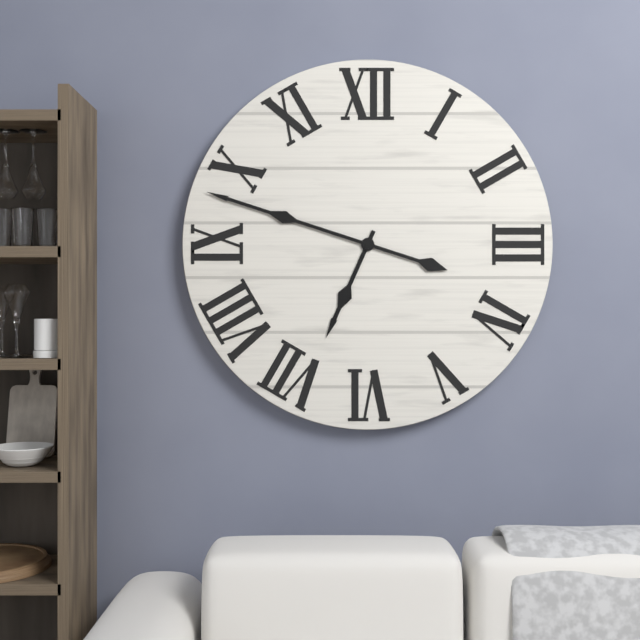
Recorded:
6.48
